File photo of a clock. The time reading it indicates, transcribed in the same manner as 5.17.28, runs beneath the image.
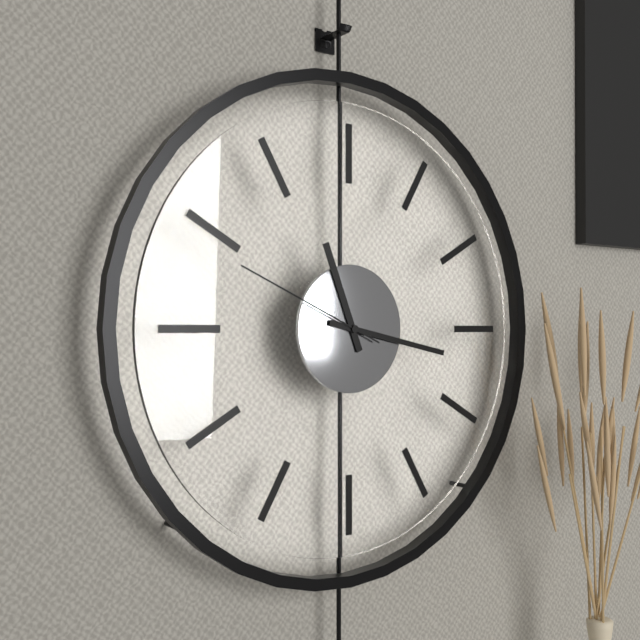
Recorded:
11.17.49
